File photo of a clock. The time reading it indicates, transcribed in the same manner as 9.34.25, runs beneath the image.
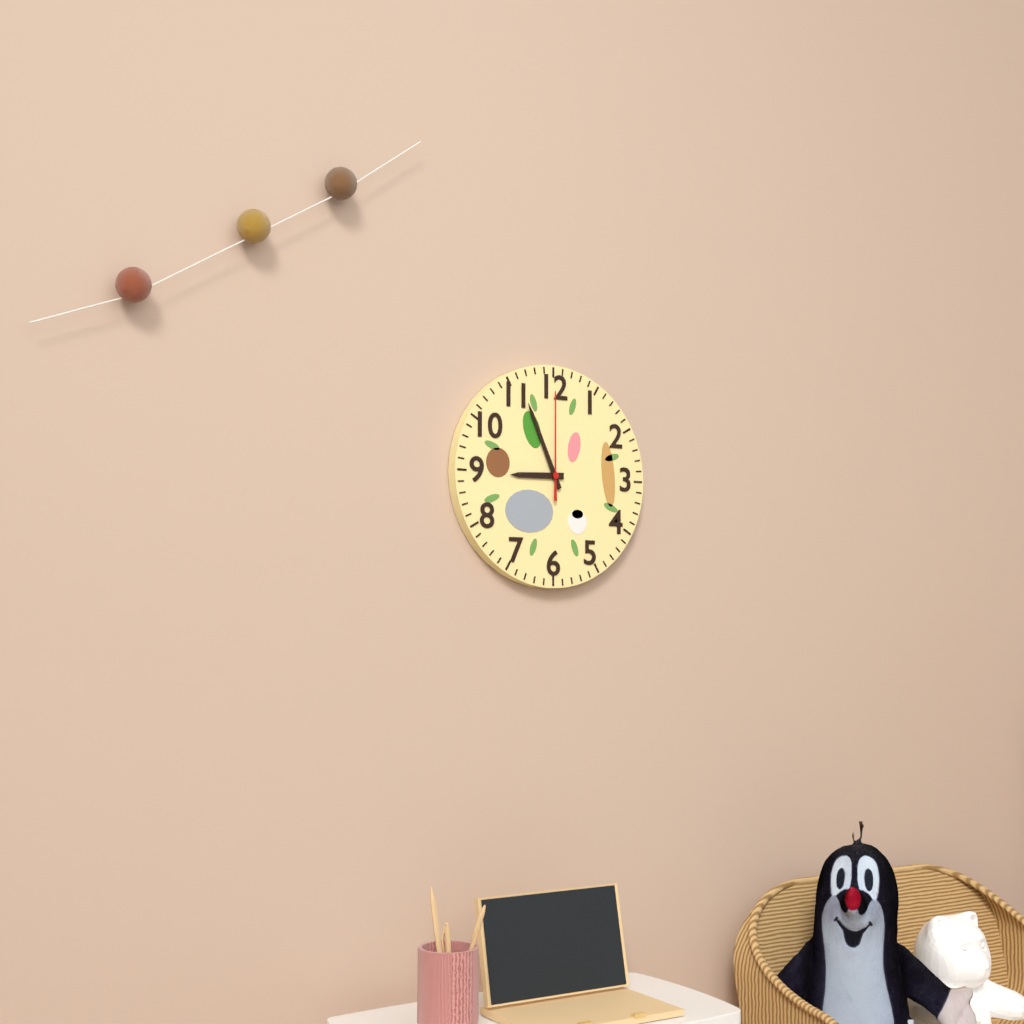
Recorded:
8.56.00
